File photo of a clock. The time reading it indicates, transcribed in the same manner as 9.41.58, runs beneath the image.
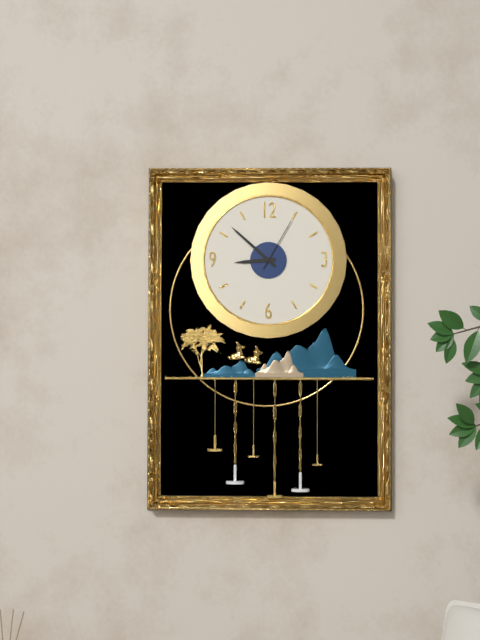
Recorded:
8.52.05
